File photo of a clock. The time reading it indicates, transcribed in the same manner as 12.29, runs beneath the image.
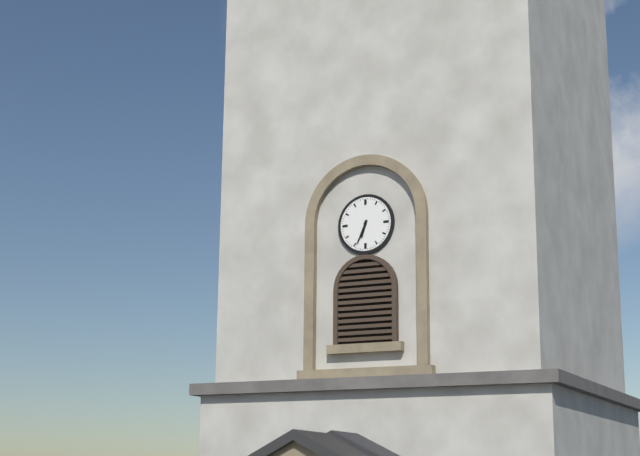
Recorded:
6.34
